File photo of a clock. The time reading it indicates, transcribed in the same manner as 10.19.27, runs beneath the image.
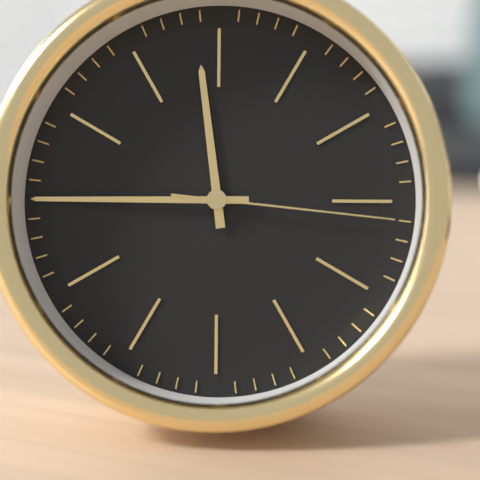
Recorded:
11.45.16
